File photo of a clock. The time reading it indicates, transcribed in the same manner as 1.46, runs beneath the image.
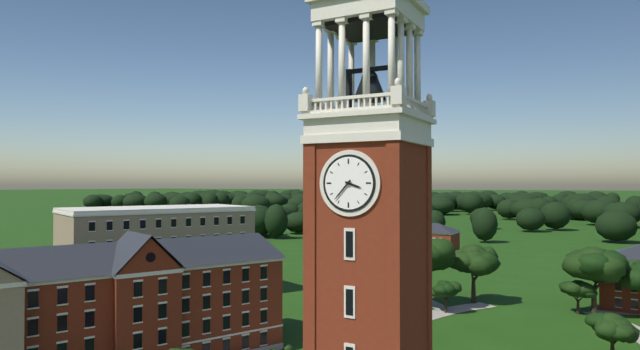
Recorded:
3.37
